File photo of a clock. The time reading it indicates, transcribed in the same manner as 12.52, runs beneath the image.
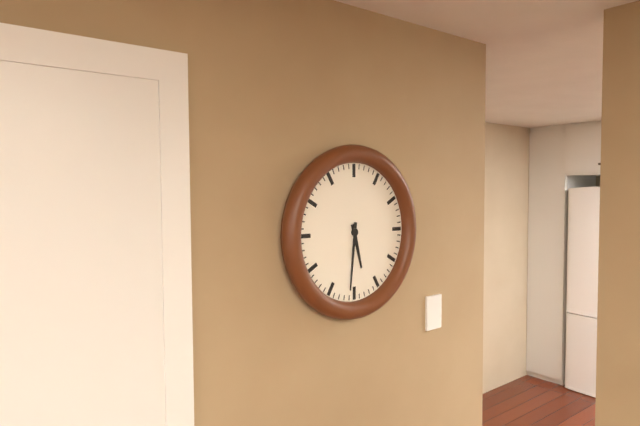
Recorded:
5.31
